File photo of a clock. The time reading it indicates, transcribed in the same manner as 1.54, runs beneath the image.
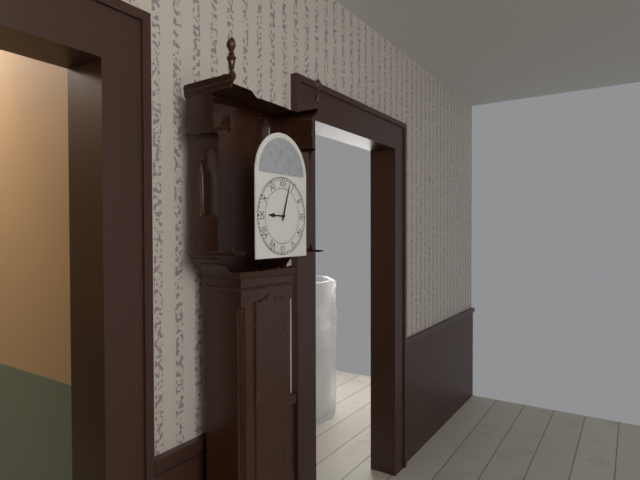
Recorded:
9.03
